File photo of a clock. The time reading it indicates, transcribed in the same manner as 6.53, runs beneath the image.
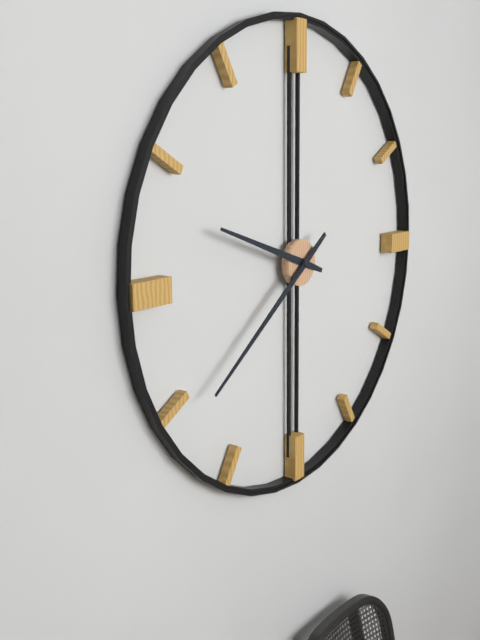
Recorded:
9.39
